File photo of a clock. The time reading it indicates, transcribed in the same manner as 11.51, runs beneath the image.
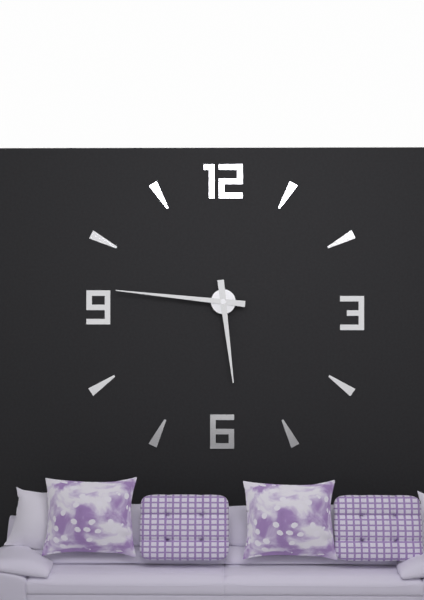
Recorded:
5.46
